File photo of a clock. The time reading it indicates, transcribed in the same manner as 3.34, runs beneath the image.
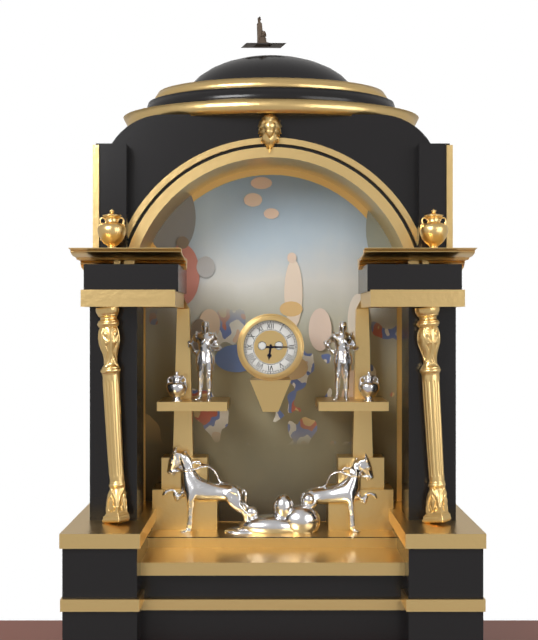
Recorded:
6.15
